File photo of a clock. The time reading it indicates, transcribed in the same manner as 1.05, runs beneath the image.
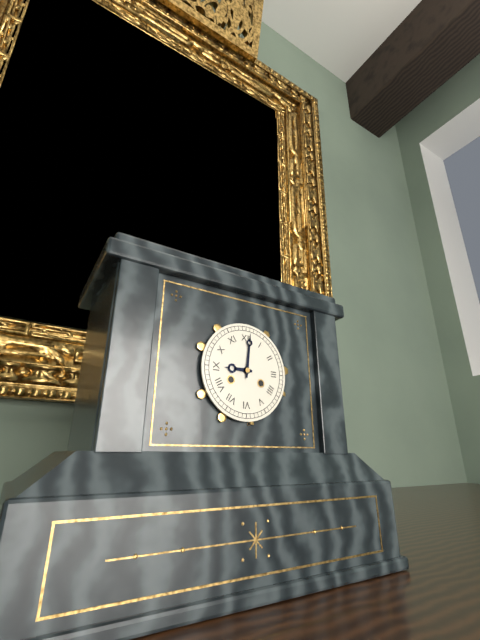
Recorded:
9.01
